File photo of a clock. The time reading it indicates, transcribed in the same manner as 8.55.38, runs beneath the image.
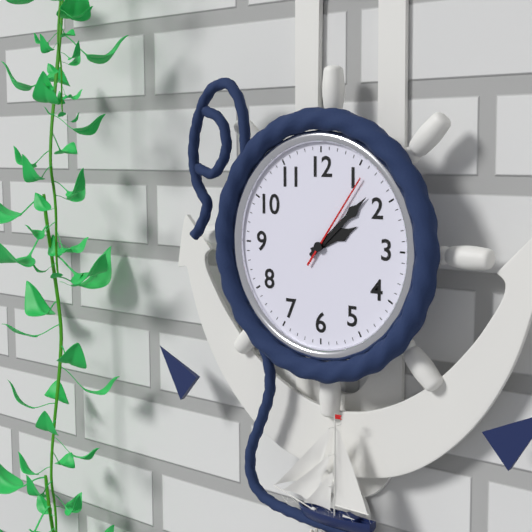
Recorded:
2.08.06
